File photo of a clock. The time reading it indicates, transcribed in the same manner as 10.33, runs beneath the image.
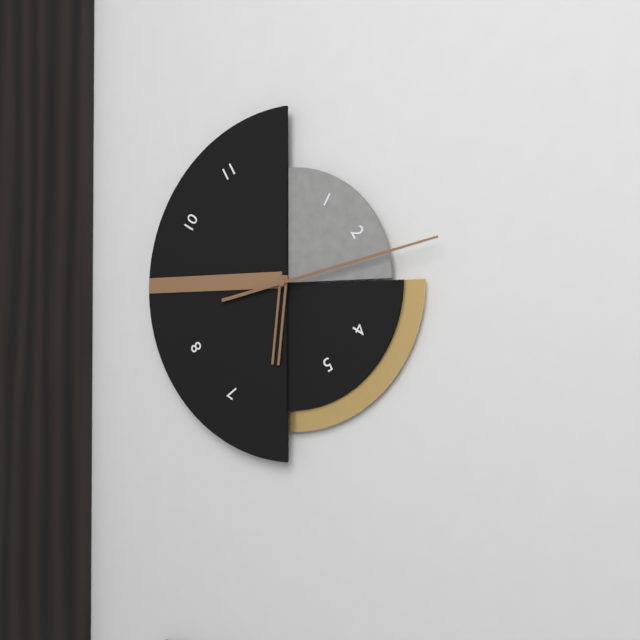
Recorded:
6.13
